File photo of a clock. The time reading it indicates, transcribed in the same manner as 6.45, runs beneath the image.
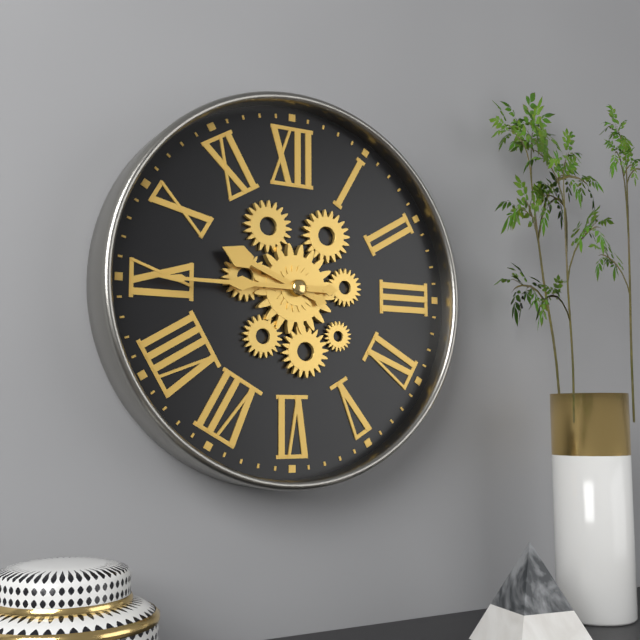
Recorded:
9.45
